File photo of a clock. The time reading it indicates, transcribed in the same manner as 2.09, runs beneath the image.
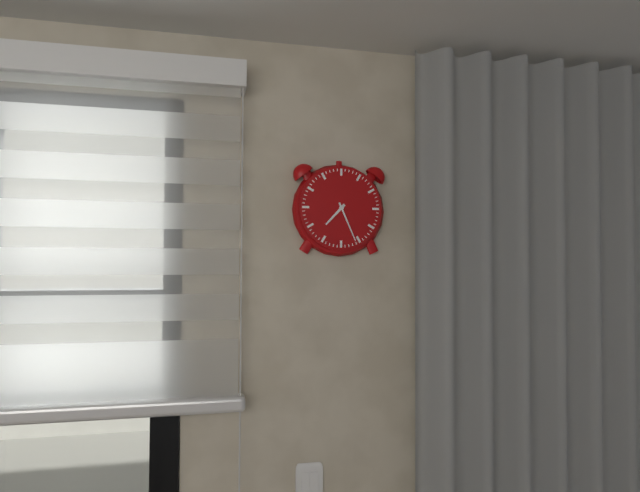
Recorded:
7.26
